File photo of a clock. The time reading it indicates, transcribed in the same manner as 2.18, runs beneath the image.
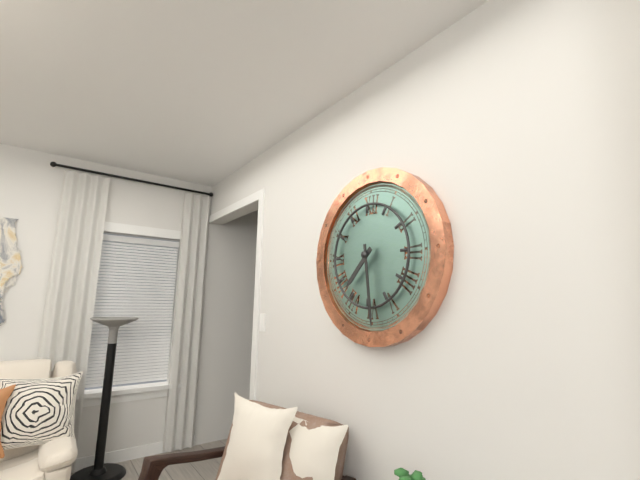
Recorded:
7.29
